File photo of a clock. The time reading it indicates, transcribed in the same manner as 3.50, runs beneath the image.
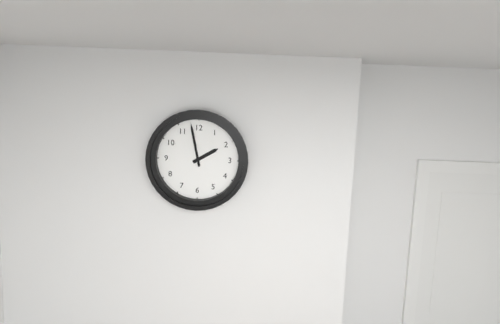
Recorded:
1.58
